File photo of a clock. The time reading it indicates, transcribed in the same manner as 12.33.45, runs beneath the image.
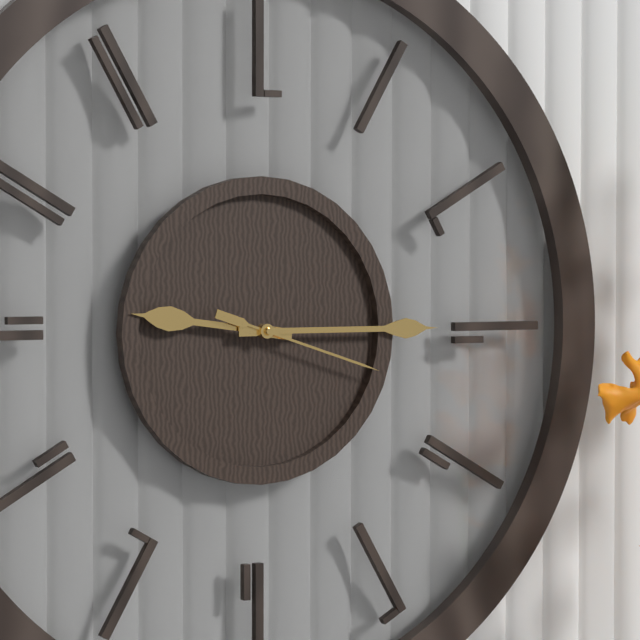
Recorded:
9.15.18
